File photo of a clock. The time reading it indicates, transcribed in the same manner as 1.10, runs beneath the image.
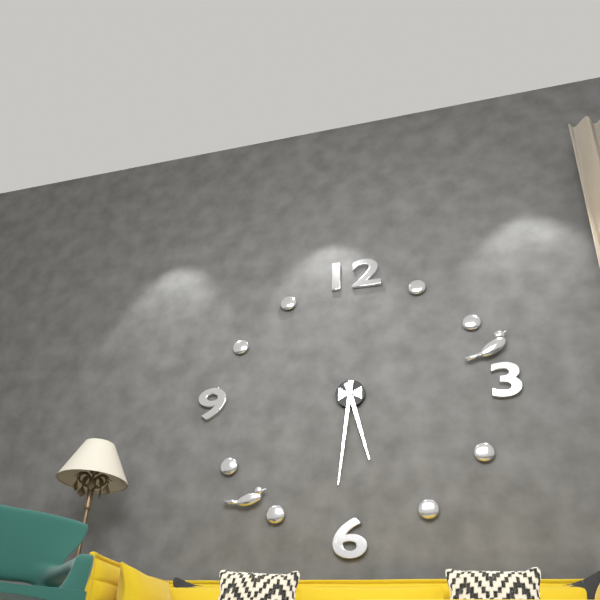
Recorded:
5.31
